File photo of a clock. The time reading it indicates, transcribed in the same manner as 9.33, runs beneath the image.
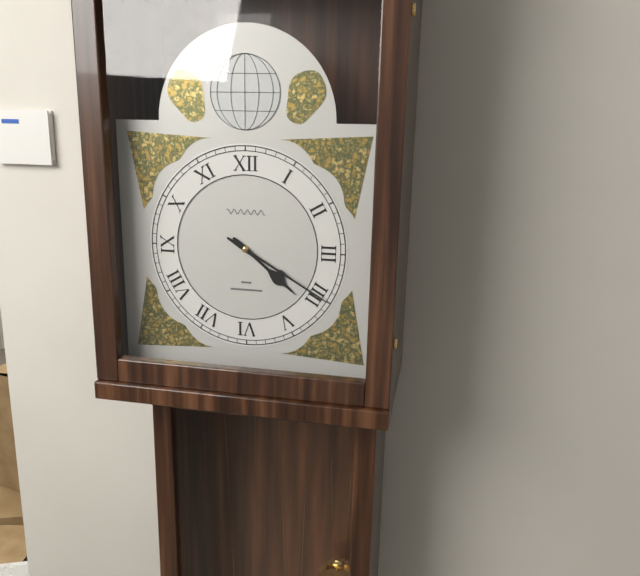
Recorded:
4.20
